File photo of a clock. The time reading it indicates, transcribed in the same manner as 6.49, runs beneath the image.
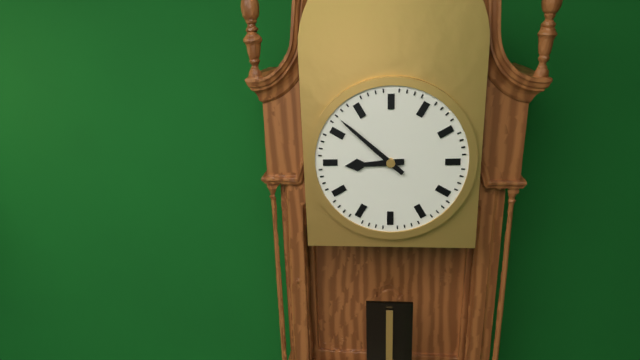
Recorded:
8.52
